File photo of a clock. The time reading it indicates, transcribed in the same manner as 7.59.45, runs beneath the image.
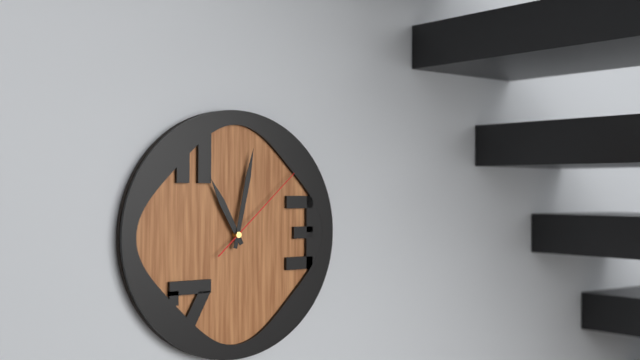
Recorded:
11.02.08
